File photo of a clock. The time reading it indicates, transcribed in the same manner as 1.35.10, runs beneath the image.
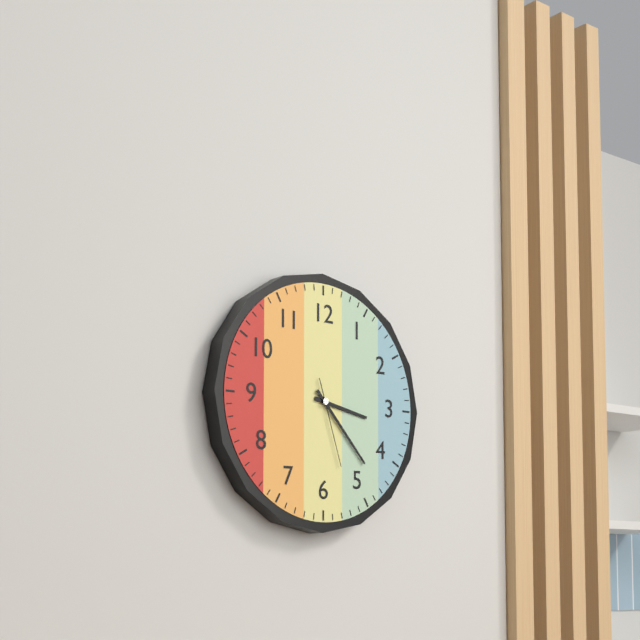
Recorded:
3.23.27
